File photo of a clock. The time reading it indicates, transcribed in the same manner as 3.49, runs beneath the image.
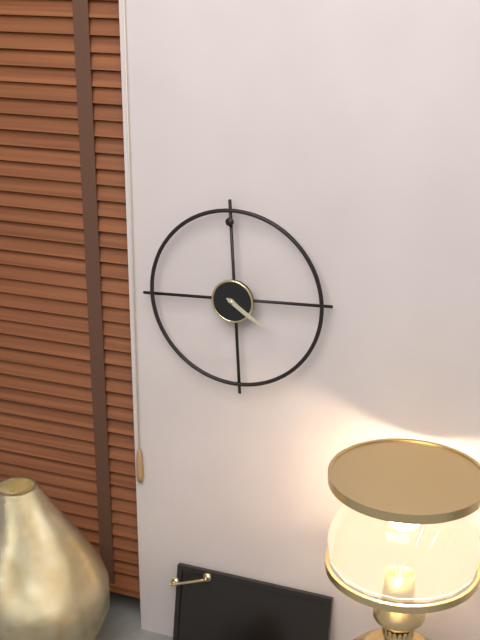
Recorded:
4.21
